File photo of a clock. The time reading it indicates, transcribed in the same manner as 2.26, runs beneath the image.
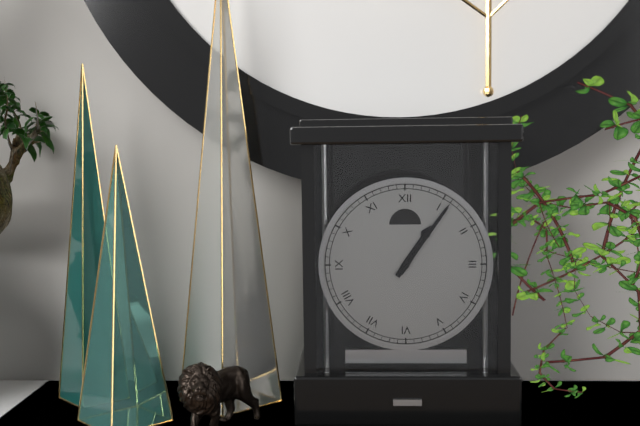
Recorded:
1.06
